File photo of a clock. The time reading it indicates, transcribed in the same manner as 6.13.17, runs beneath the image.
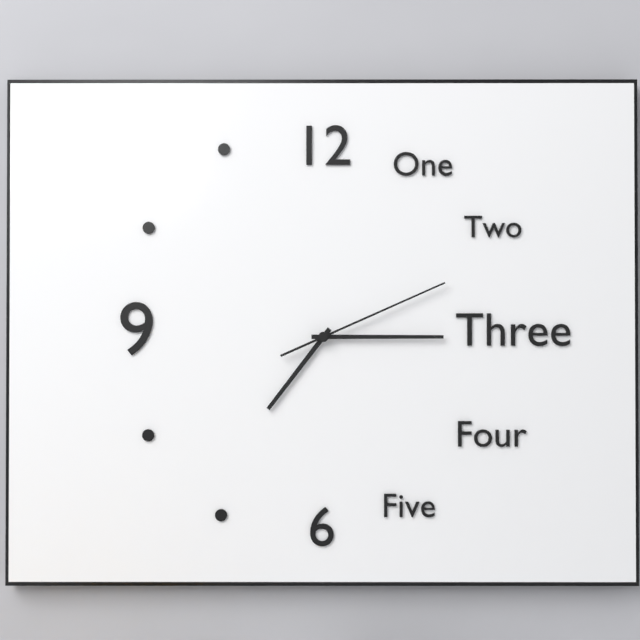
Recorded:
7.15.11
